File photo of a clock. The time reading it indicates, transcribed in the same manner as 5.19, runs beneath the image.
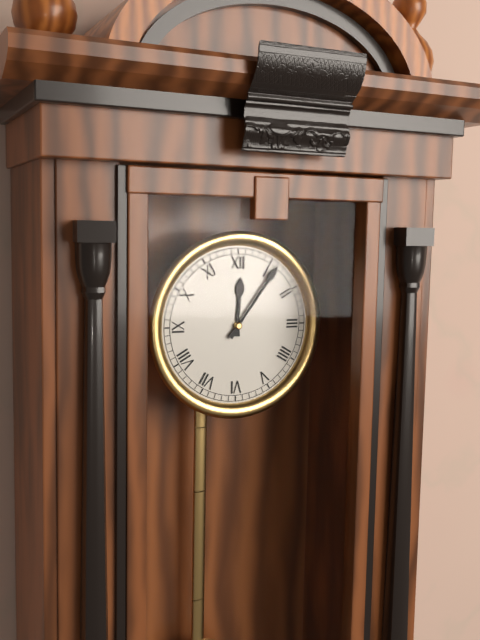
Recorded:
12.06
